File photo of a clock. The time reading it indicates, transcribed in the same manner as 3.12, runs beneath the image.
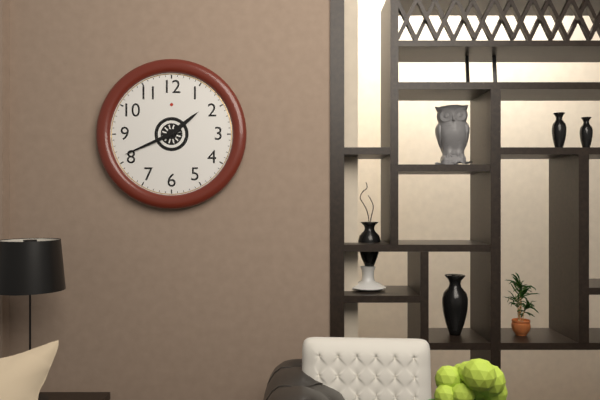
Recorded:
1.41
